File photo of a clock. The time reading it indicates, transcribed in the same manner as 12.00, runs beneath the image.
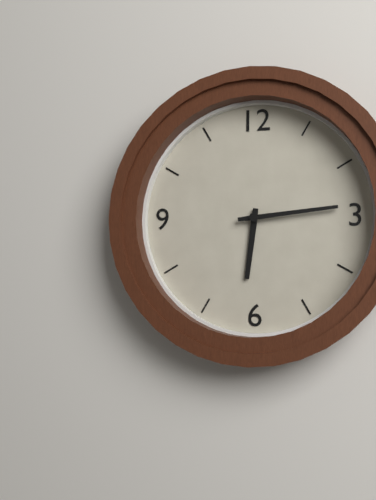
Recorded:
6.14
